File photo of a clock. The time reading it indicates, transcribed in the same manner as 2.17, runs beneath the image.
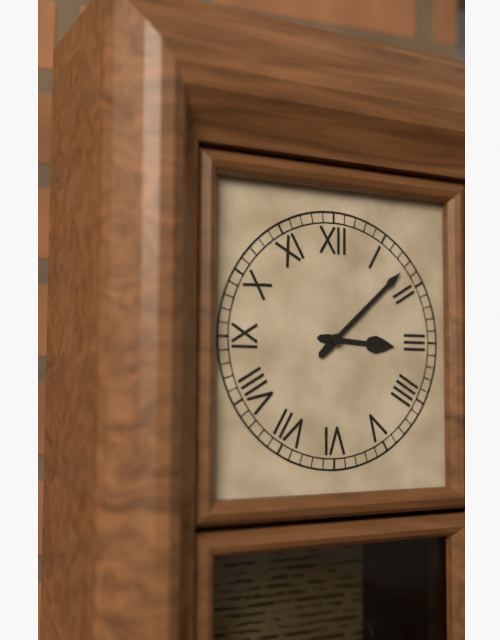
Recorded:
3.08
